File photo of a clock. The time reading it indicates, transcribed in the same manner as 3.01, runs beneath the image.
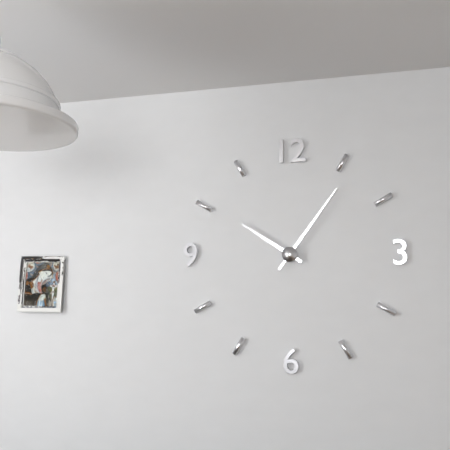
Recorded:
10.06
